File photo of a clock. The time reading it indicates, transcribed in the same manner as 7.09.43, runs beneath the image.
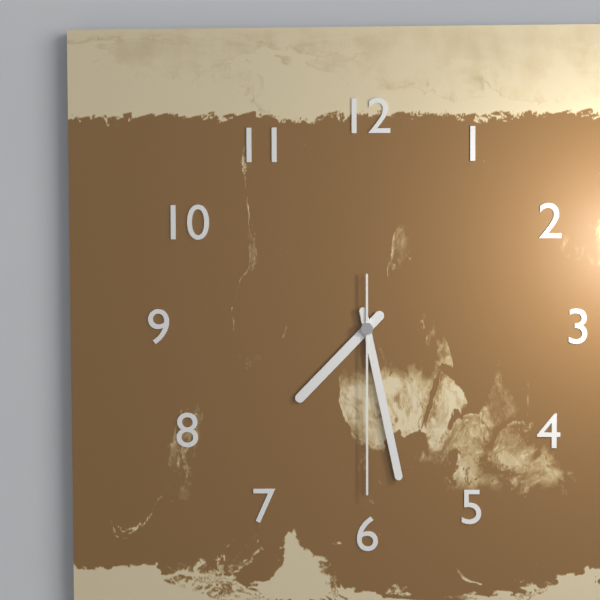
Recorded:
7.28.30
